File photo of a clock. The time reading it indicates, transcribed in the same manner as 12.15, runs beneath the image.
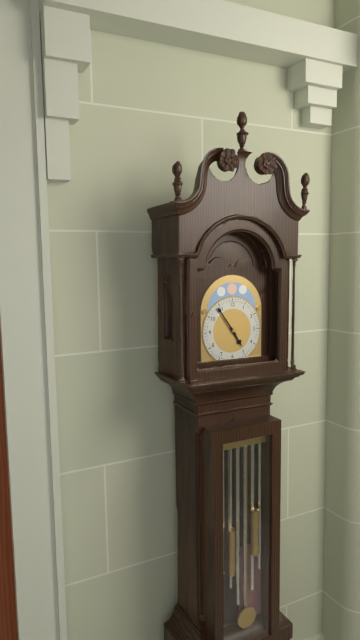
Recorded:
4.54
